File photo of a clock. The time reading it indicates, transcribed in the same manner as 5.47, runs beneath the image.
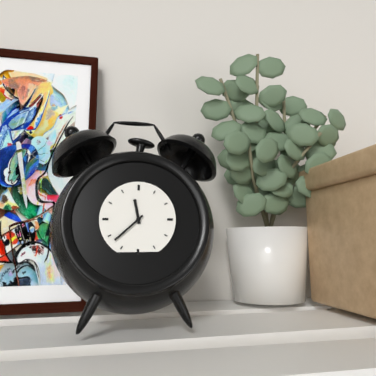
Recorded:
11.38
